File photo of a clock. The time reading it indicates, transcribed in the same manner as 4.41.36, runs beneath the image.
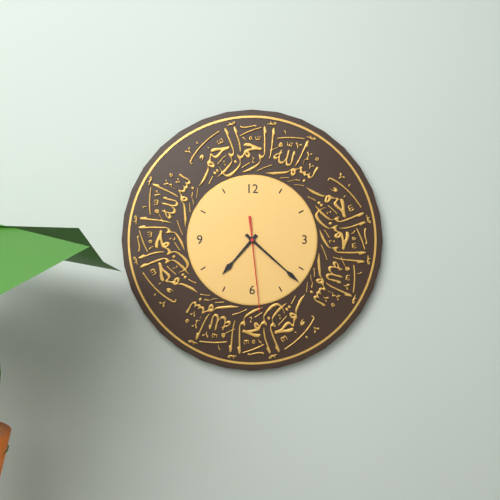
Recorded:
7.22.29
